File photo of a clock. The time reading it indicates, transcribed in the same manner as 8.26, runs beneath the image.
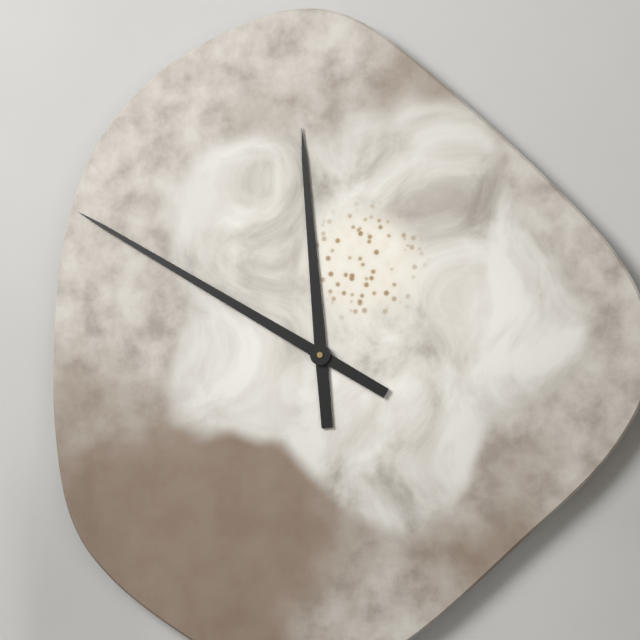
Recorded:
11.50
